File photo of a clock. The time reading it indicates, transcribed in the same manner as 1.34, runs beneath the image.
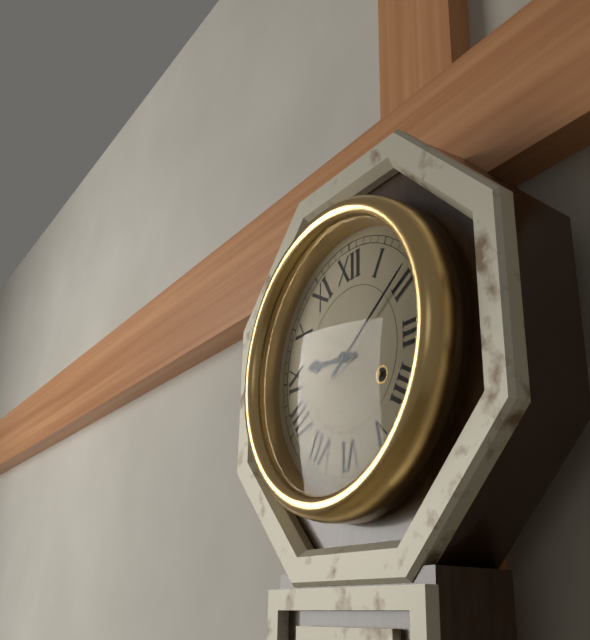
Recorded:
9.09
